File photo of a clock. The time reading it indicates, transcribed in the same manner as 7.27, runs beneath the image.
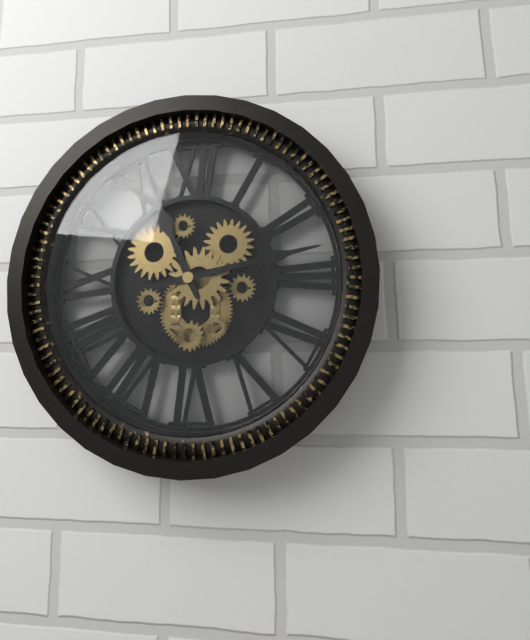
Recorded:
11.13
